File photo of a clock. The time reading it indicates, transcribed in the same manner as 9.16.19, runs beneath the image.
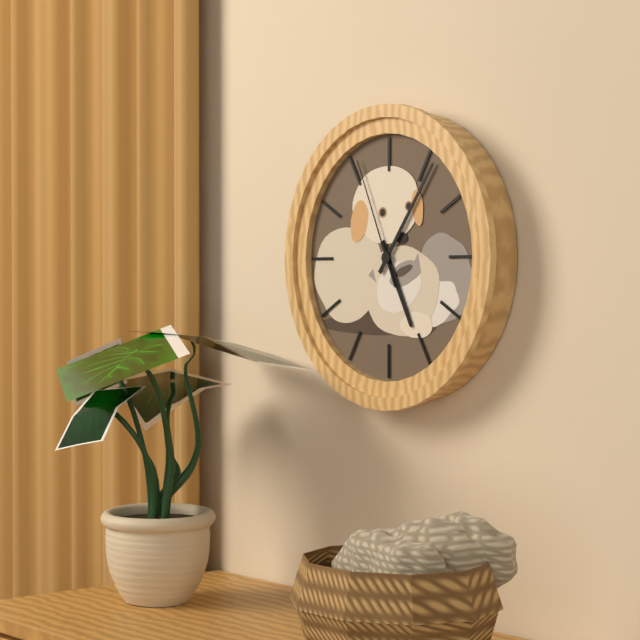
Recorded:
5.06.56
